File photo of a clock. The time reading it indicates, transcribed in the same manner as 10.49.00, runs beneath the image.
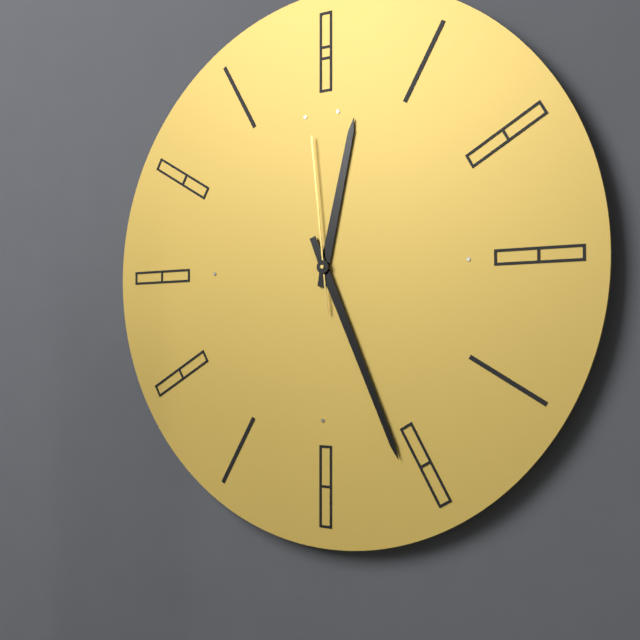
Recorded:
12.26.59
